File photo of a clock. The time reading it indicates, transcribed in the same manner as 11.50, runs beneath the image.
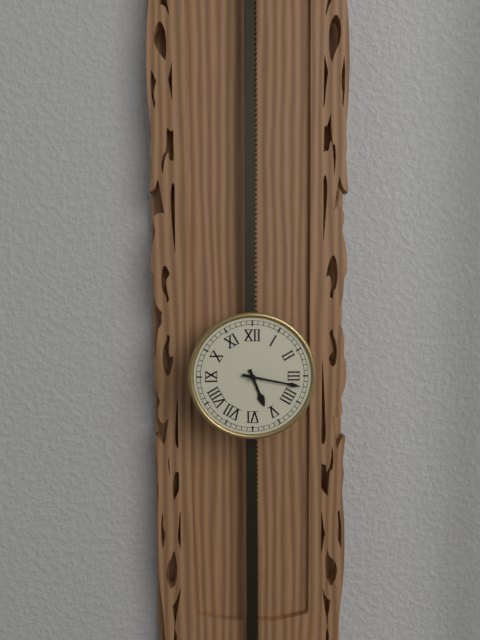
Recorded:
5.17
